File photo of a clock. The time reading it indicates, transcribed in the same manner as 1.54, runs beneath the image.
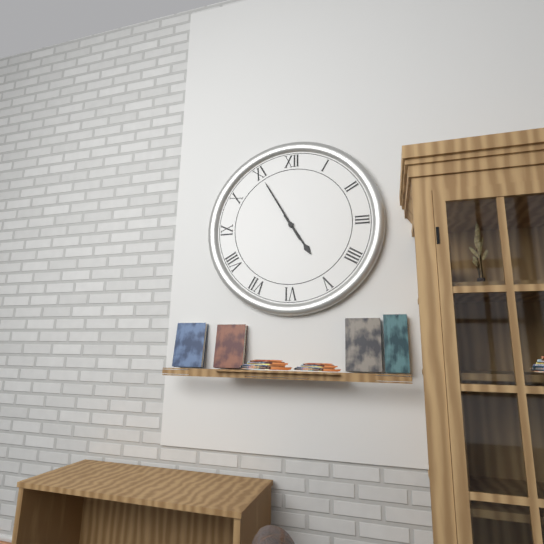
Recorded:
4.55
